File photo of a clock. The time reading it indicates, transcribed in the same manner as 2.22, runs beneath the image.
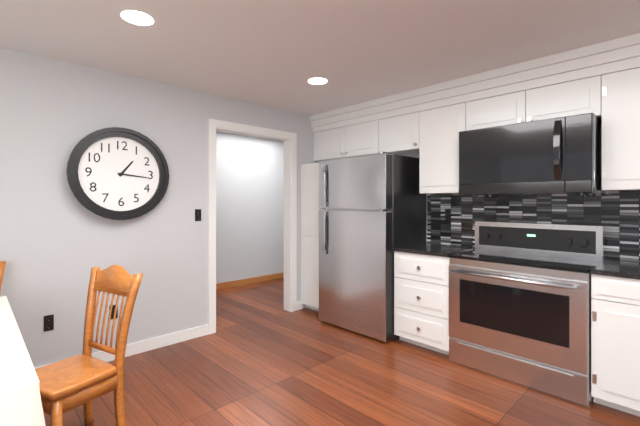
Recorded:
1.16
